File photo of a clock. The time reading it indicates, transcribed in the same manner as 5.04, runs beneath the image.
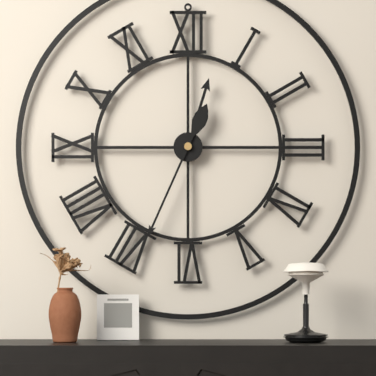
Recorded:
12.34
